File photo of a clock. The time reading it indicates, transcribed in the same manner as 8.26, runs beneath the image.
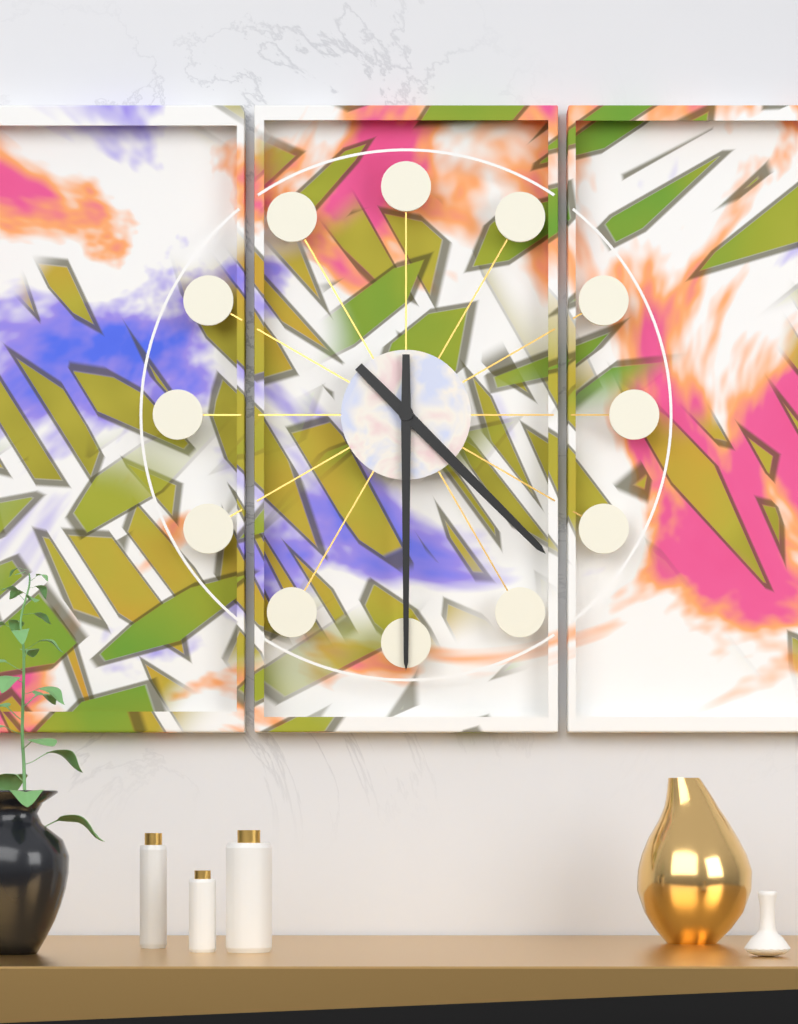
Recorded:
4.30
